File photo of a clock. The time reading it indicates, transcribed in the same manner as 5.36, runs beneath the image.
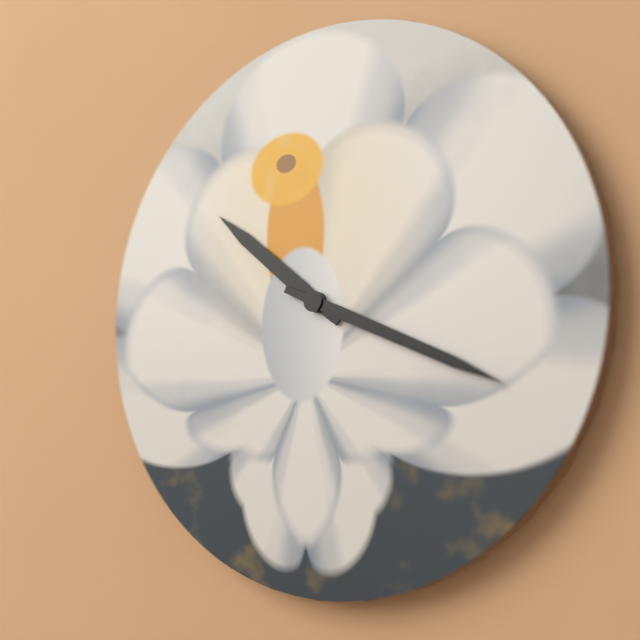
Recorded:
10.19
